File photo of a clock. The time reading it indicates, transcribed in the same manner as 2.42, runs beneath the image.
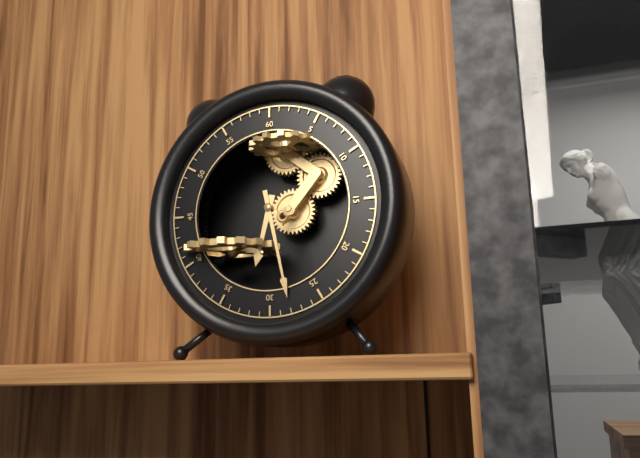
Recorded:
6.28
